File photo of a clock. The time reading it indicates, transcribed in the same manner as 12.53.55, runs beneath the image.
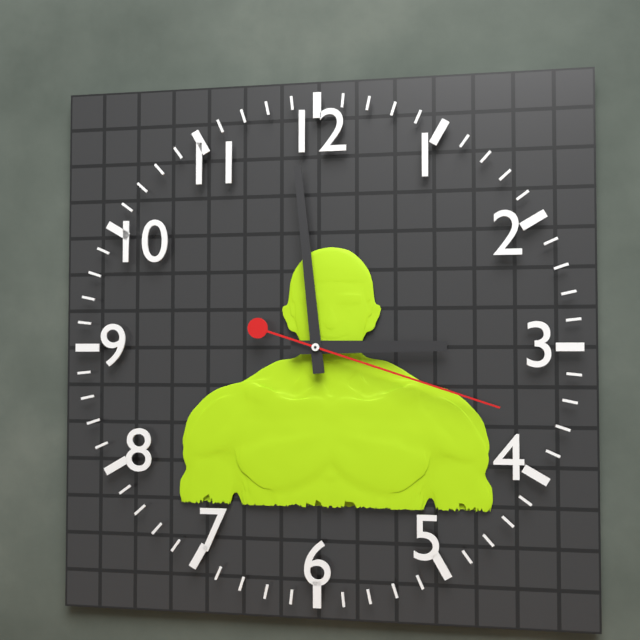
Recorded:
2.59.18
